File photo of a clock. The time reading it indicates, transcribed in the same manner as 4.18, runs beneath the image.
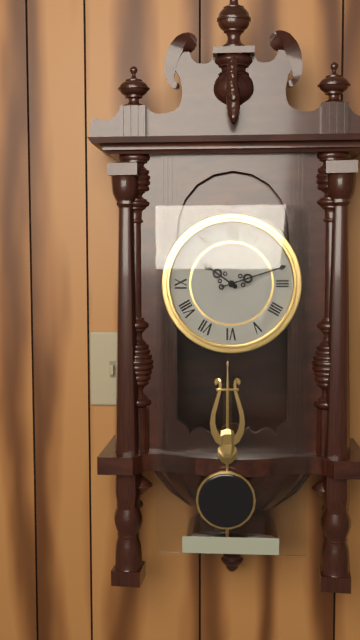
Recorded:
10.12
